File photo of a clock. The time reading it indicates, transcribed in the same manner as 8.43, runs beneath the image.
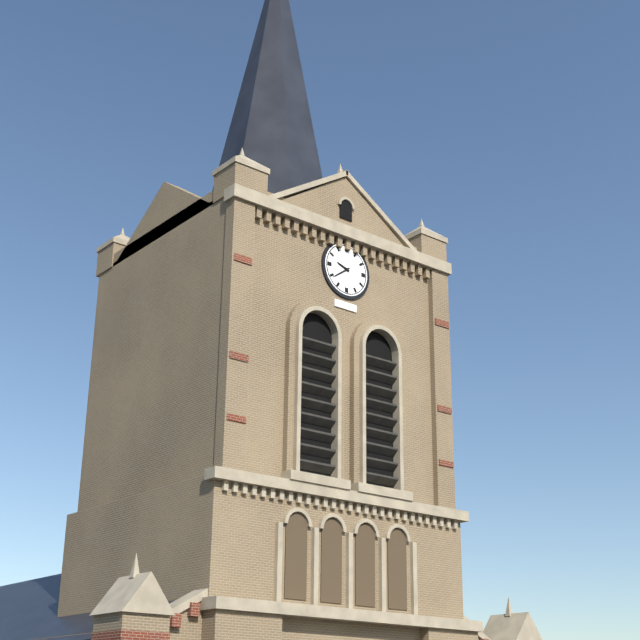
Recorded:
9.39
